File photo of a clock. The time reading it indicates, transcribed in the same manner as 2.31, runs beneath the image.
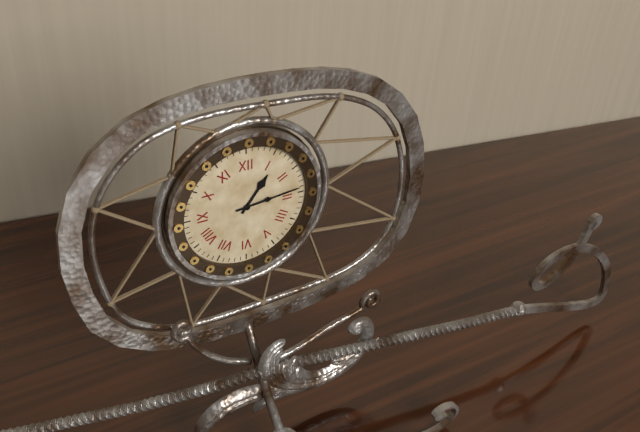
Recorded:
1.14
